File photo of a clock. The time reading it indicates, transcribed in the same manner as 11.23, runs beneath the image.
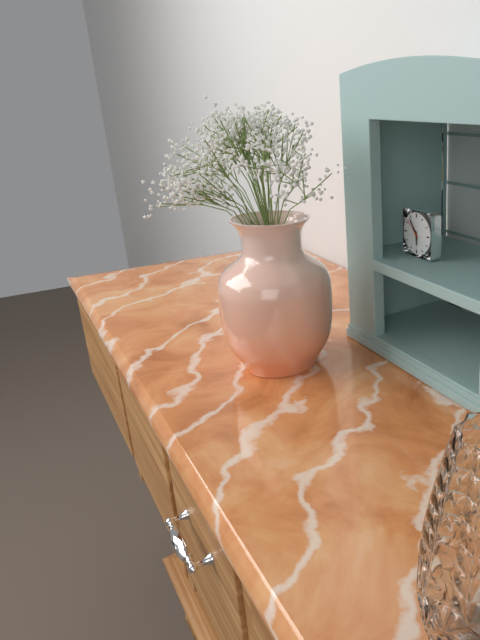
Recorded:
5.54
